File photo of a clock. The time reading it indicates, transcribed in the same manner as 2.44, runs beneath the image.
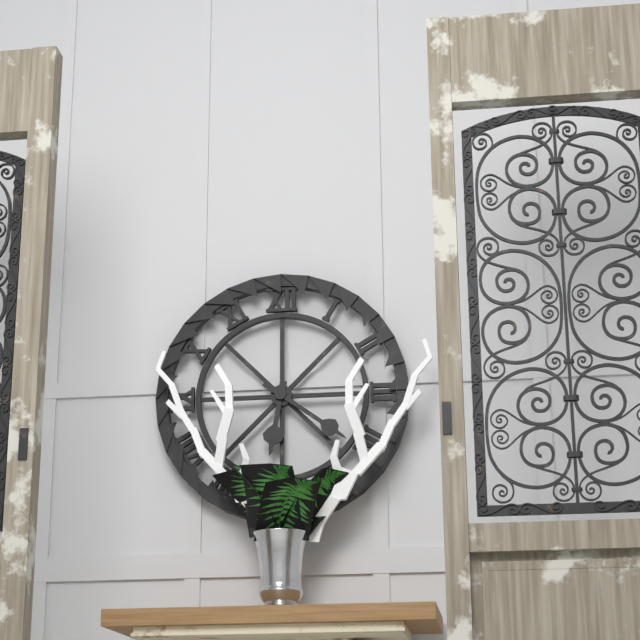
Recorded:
6.21
